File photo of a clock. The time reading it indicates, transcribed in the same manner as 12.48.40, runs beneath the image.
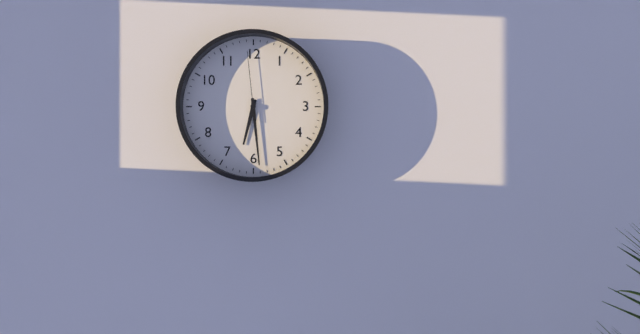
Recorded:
6.29.59
